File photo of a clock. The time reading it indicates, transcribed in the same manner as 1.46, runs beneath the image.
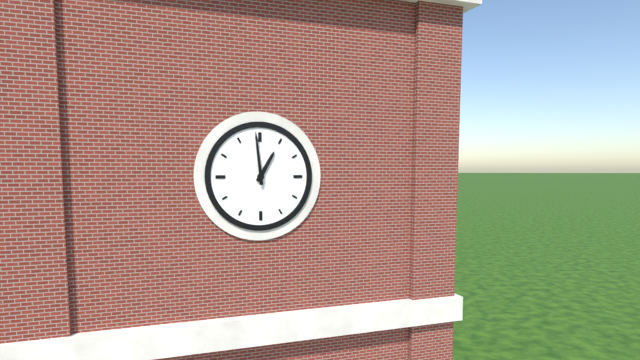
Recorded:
12.59
